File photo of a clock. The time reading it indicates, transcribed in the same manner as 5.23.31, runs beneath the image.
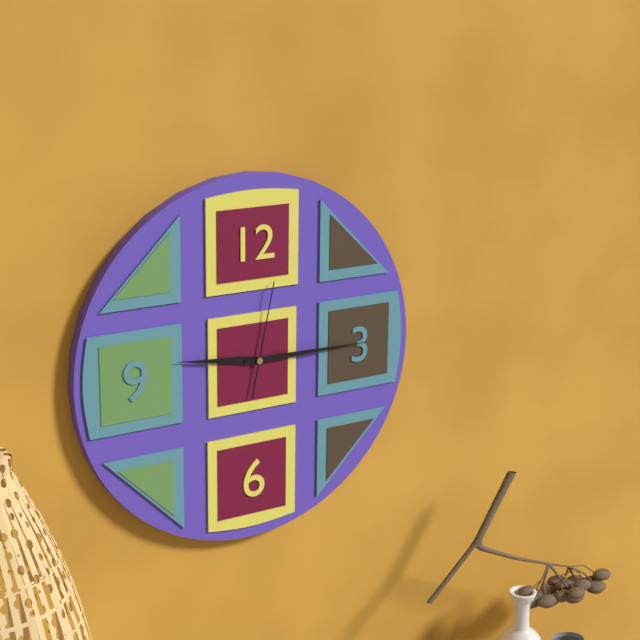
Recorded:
9.15.02
